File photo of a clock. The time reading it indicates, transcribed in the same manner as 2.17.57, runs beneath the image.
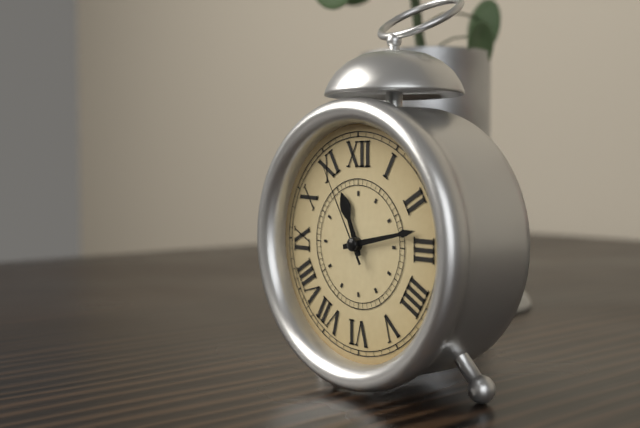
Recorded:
11.13.55
